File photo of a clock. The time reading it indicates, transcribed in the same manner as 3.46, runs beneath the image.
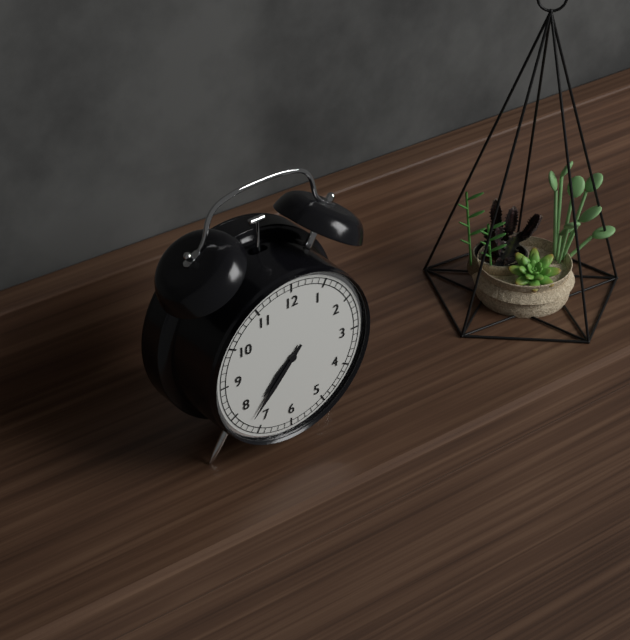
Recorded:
7.37
